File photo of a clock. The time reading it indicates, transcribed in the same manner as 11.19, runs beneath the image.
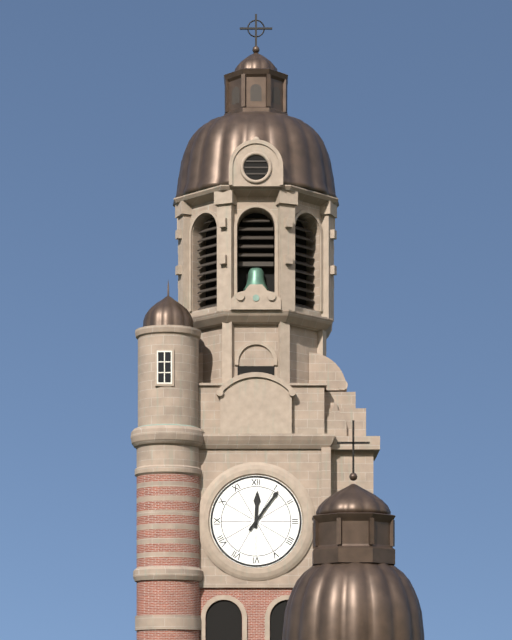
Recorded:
12.06
